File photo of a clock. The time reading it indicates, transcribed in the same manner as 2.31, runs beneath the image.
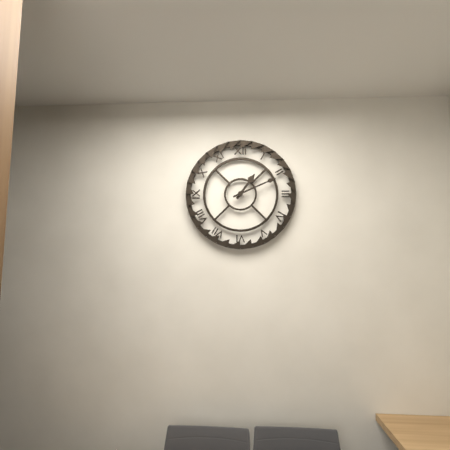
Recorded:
1.11
